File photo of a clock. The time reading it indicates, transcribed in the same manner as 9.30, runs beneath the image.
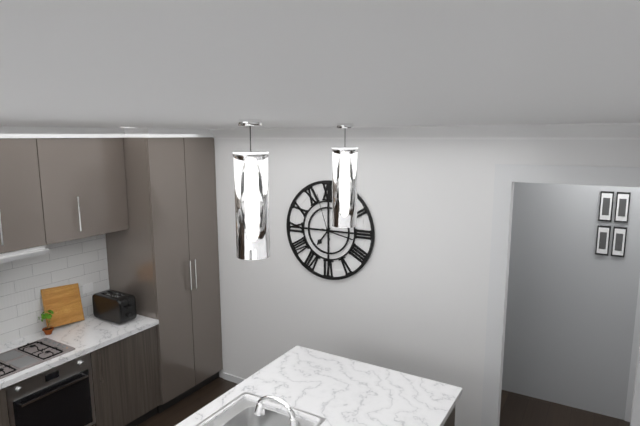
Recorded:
7.17
